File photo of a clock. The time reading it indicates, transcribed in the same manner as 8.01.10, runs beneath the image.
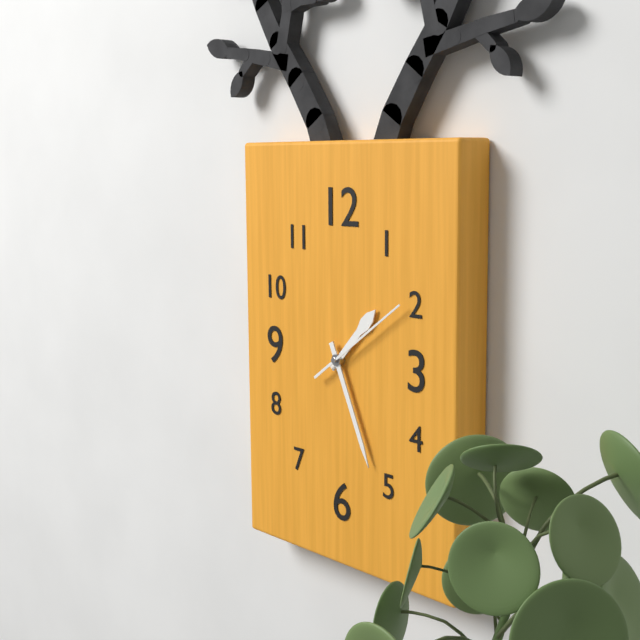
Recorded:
1.26.09
